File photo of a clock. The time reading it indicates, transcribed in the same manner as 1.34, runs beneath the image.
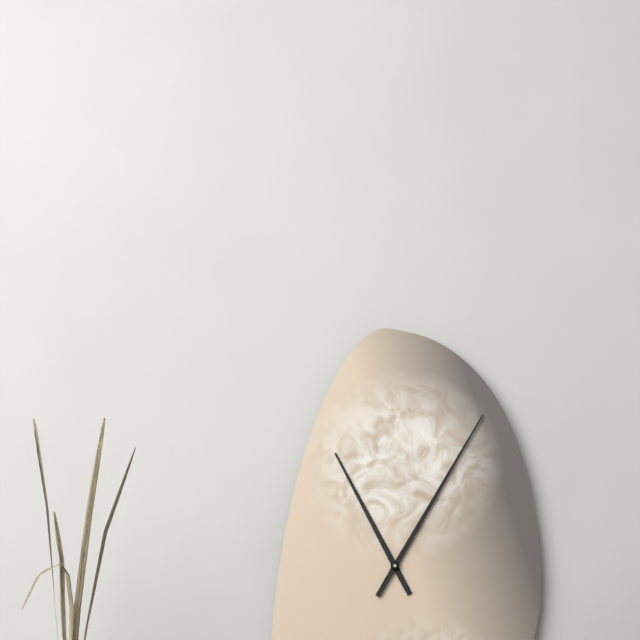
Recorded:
11.05
